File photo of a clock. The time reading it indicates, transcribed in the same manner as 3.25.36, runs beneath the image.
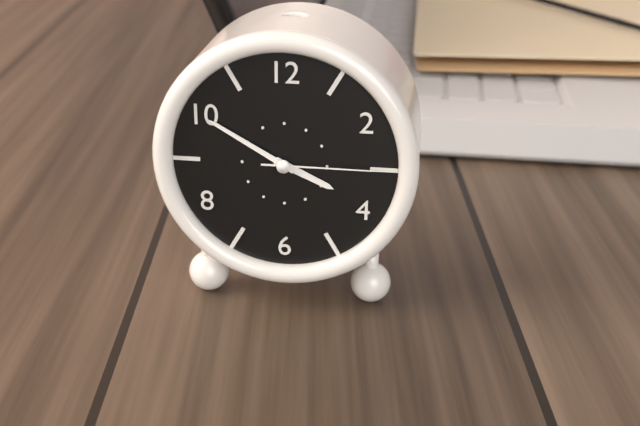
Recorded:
3.50.15
